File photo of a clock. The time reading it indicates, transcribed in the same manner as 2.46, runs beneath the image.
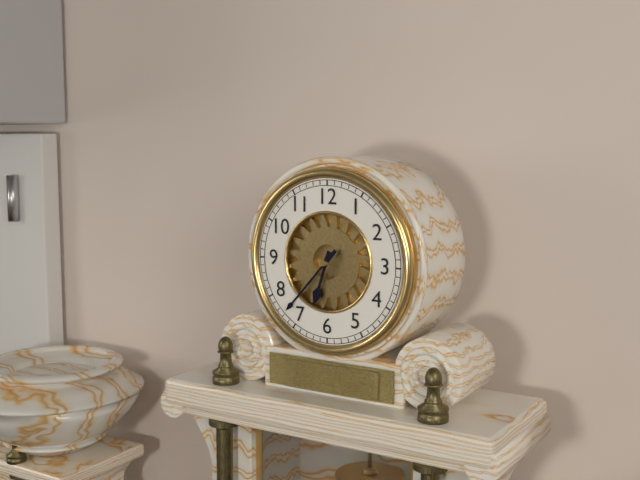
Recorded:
6.37
